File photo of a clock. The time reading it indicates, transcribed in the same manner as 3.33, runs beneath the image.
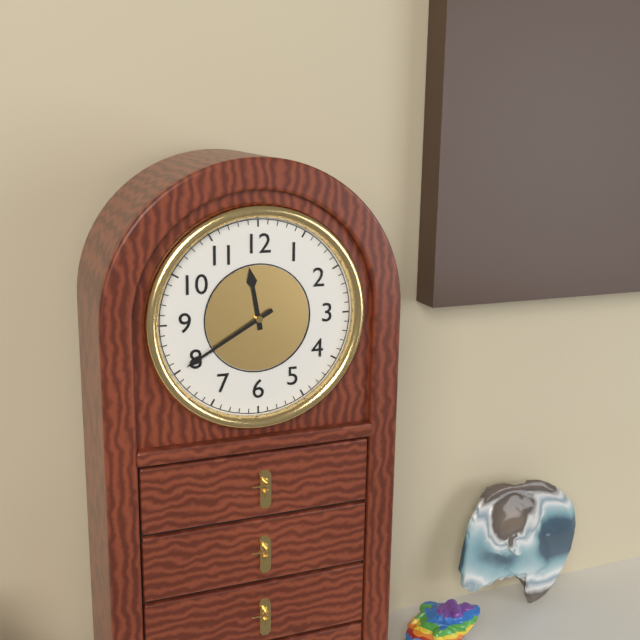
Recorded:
11.40
